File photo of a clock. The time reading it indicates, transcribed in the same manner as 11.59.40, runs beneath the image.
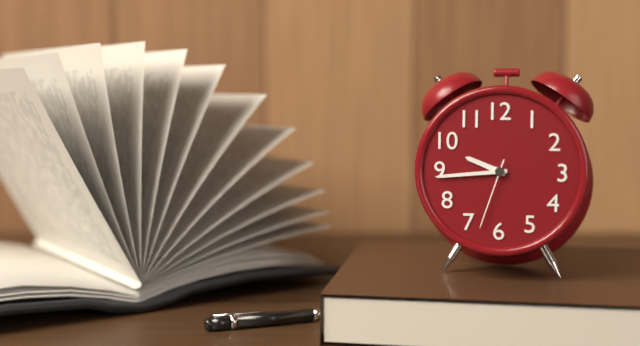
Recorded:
9.44.33
